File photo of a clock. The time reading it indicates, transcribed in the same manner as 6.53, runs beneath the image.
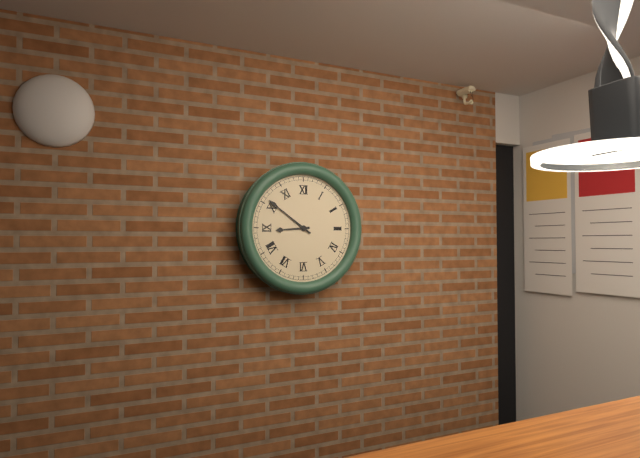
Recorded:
8.51
